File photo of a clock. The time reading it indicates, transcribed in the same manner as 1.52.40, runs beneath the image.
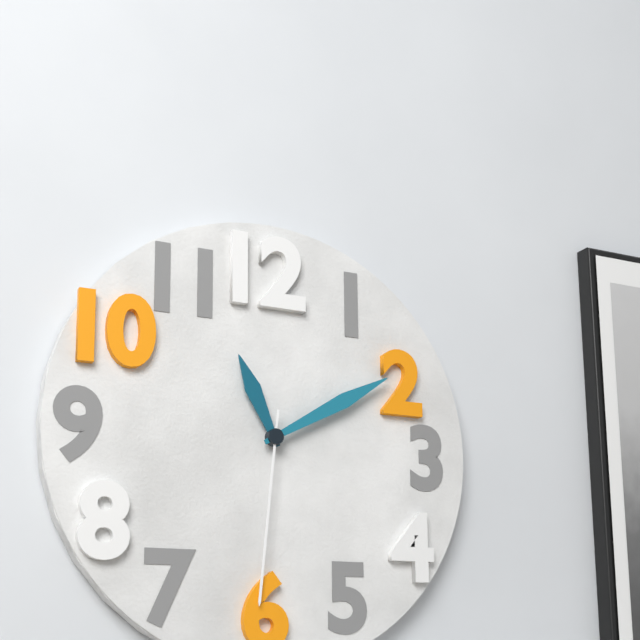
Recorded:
11.10.31
